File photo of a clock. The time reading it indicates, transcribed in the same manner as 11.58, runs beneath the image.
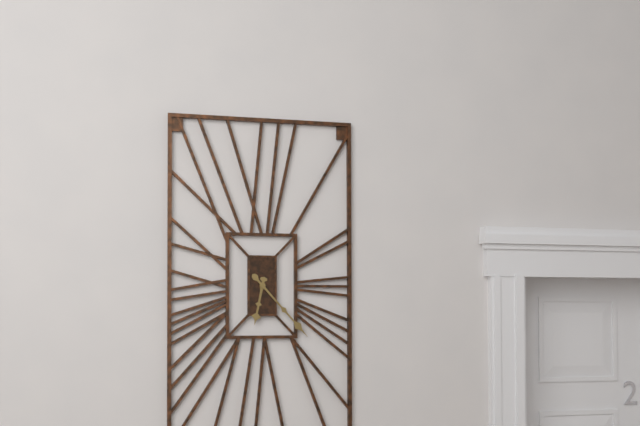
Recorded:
6.23
